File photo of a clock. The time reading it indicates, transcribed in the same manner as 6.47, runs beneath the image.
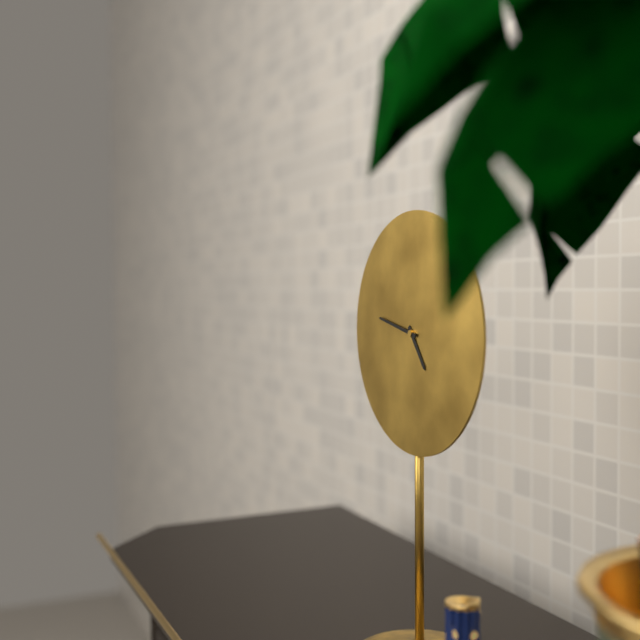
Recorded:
4.47
